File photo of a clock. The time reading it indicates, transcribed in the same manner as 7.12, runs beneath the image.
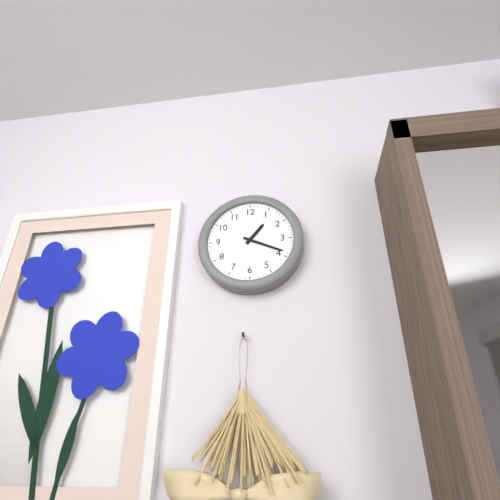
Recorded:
1.19
